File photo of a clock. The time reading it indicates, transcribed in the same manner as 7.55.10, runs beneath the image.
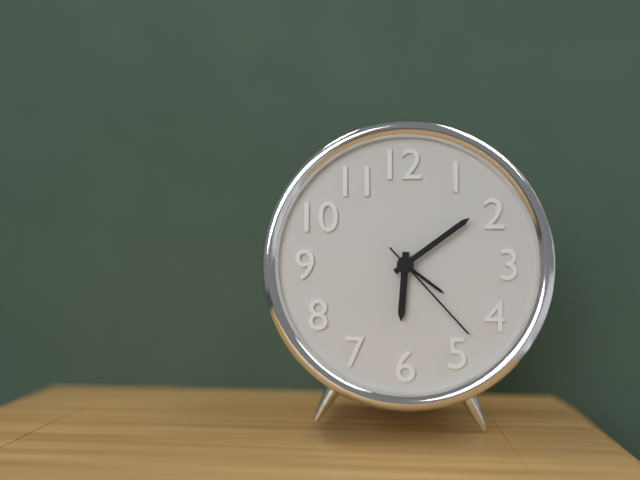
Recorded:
6.09.23
